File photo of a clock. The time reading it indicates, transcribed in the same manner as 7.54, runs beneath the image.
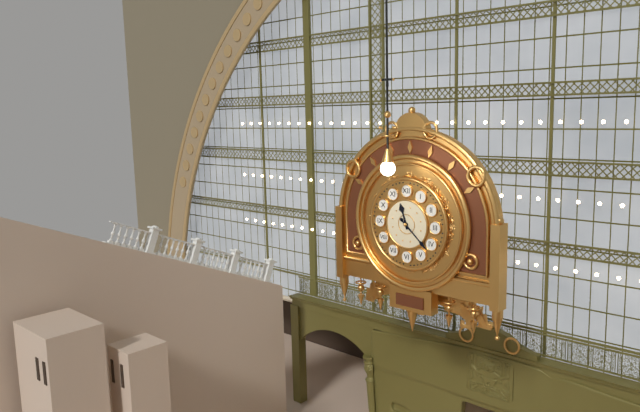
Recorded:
11.22
